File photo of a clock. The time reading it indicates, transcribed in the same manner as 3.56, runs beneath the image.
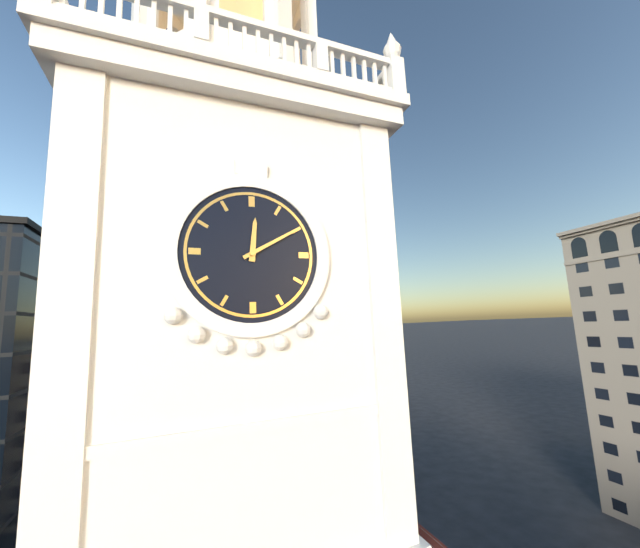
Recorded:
12.10
